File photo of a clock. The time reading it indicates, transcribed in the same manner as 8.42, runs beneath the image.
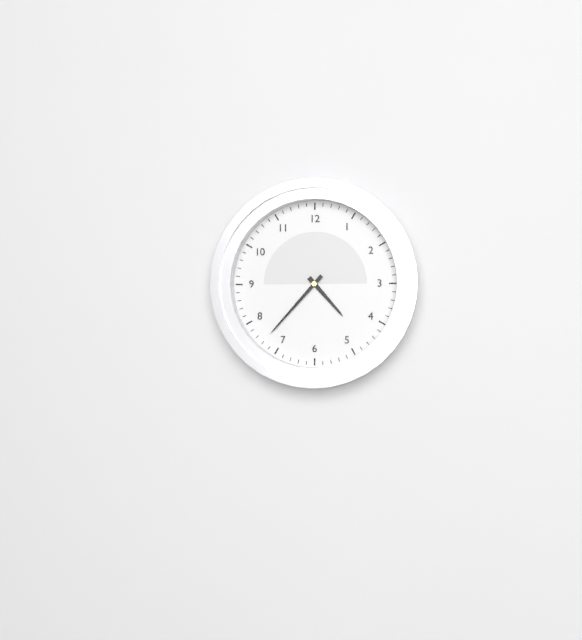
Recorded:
4.37
